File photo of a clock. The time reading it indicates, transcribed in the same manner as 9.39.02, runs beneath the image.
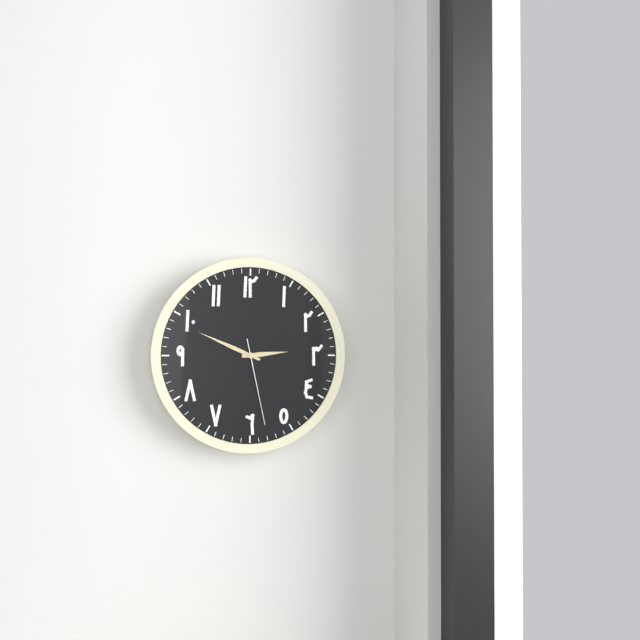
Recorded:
2.49.28
